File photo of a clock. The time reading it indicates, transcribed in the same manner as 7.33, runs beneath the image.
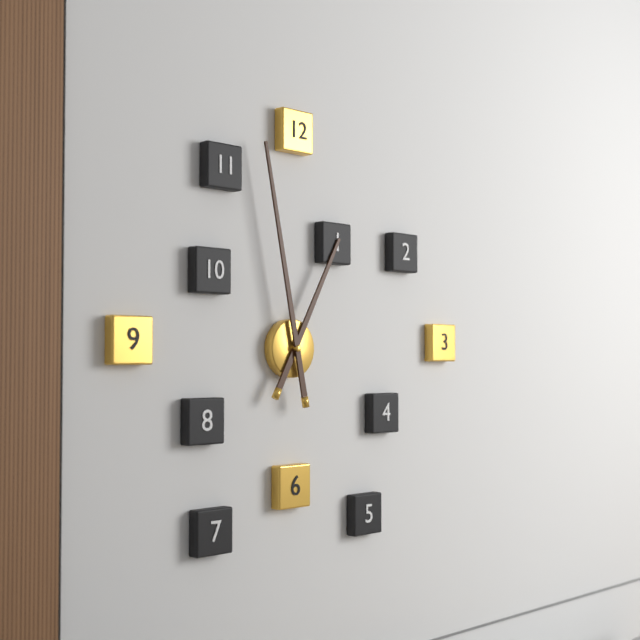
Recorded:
12.58
